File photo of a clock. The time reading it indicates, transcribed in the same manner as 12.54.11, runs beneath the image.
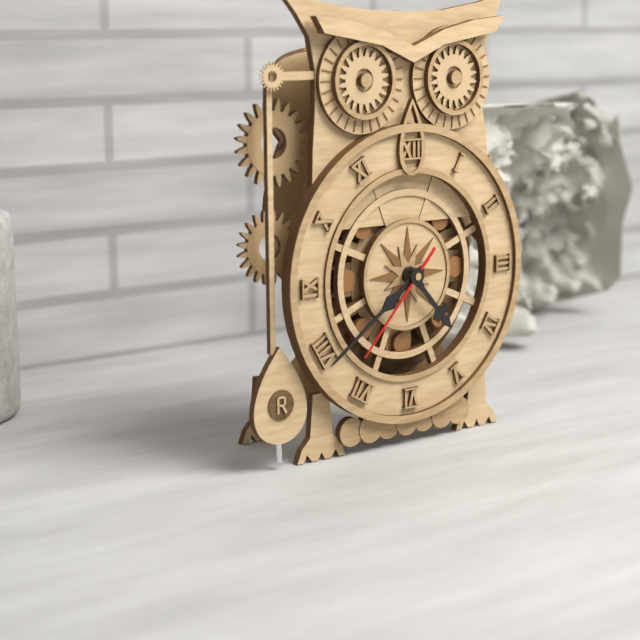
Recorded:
4.39.37
